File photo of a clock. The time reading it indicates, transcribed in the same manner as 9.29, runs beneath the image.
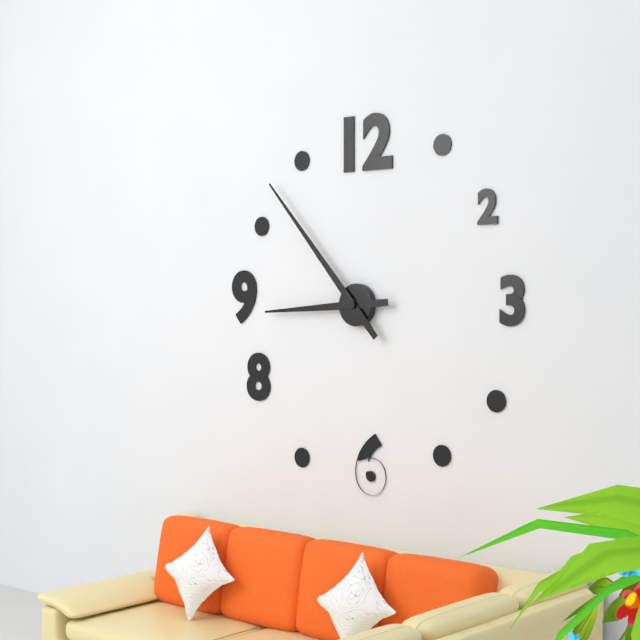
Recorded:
8.53
